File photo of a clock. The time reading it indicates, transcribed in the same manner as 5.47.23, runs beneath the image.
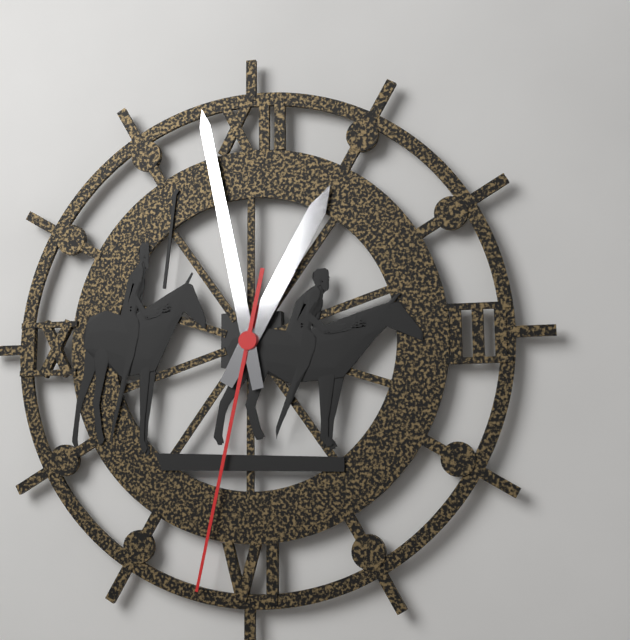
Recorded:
12.58.32
